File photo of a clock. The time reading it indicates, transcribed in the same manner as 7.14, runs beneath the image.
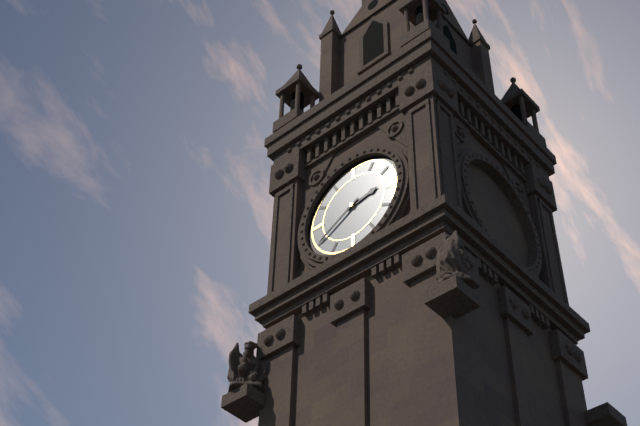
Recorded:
2.40
